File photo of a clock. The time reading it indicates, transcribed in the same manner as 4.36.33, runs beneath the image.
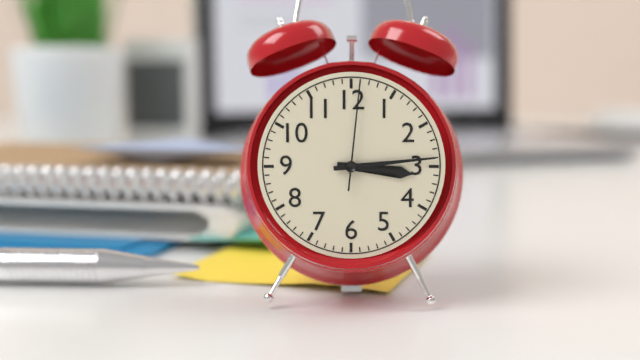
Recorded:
3.14.01
